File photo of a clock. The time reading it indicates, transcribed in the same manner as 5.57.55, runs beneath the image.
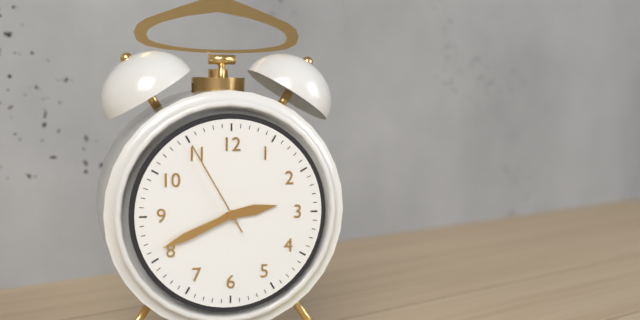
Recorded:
2.41.55
